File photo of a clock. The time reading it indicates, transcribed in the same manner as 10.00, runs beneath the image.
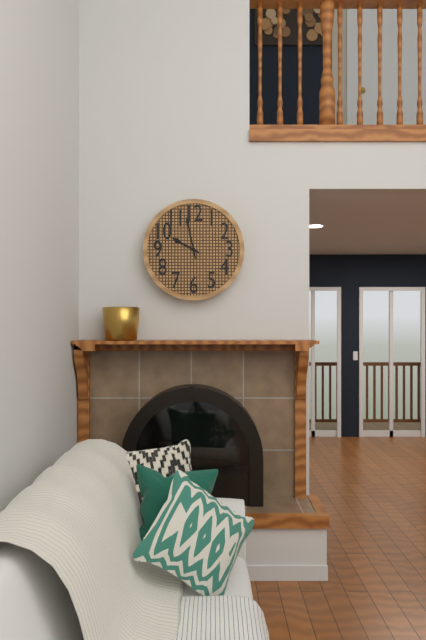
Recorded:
9.58
